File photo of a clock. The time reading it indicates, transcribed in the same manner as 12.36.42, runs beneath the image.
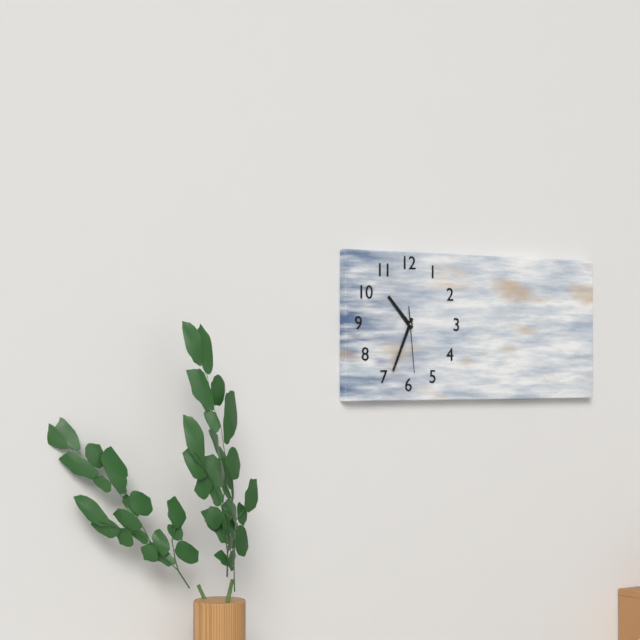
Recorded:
10.34.29
